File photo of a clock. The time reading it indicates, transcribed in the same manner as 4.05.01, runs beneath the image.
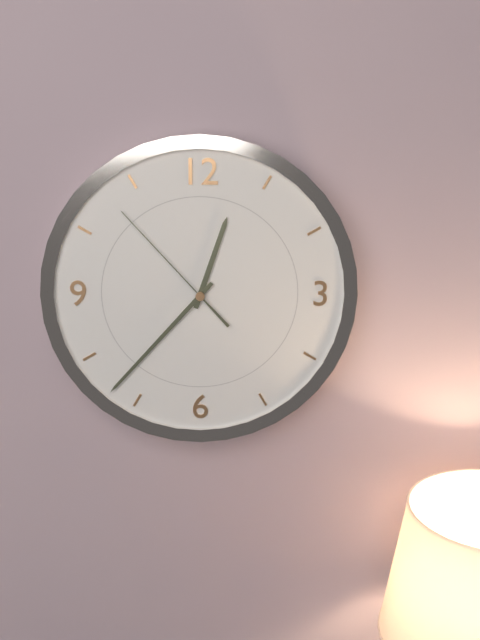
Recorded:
12.37.53
